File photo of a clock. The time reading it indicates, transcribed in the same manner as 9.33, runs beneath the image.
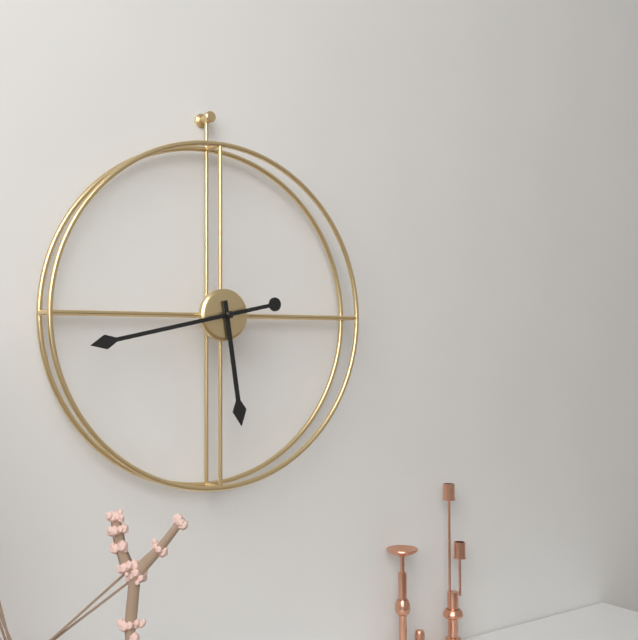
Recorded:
5.43
